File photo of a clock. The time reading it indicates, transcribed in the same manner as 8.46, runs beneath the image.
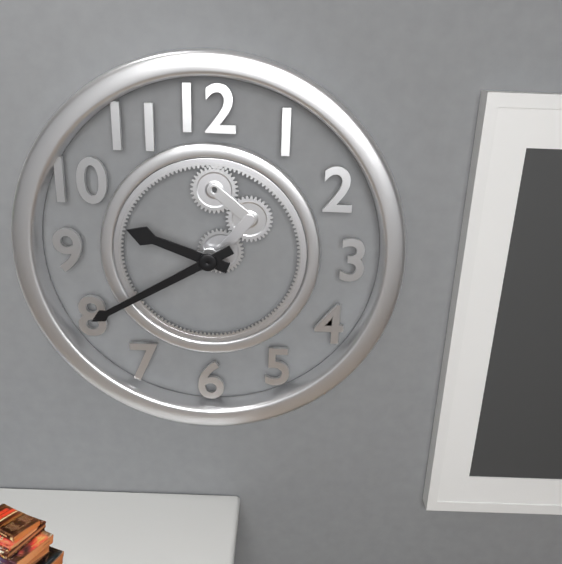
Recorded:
9.40
